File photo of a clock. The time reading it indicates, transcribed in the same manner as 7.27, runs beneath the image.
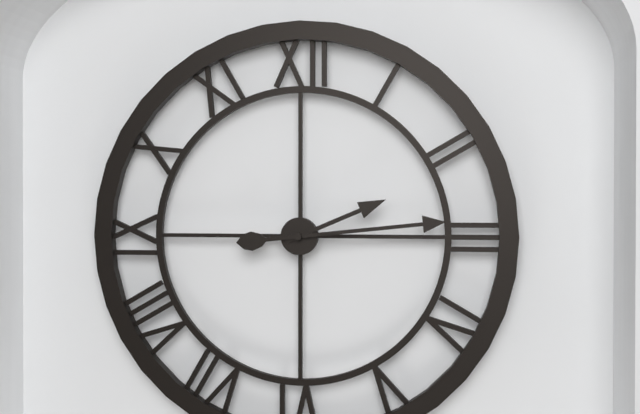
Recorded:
2.14
